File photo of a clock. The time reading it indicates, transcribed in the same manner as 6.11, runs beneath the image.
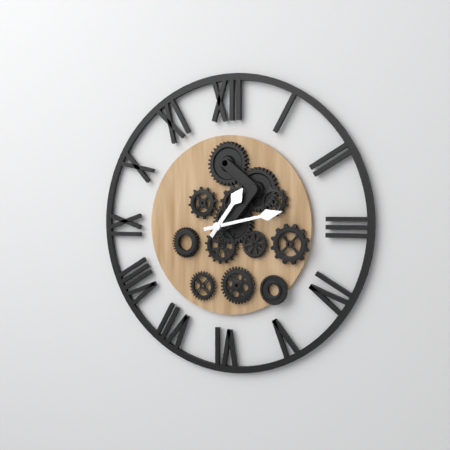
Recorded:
1.13
